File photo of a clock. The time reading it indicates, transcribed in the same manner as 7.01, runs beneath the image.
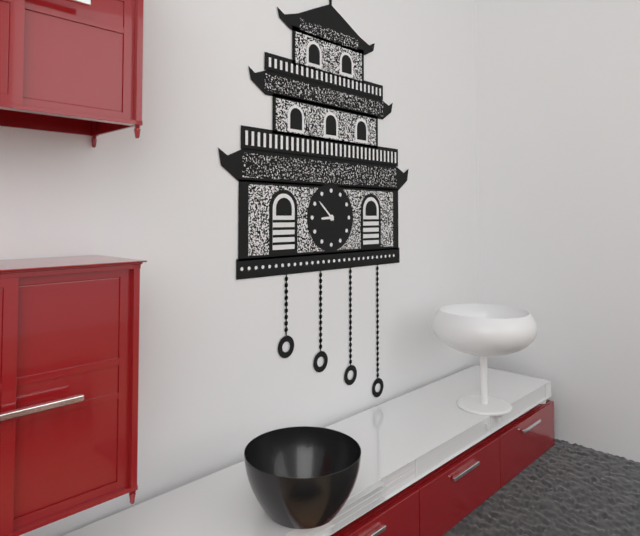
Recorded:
8.52
